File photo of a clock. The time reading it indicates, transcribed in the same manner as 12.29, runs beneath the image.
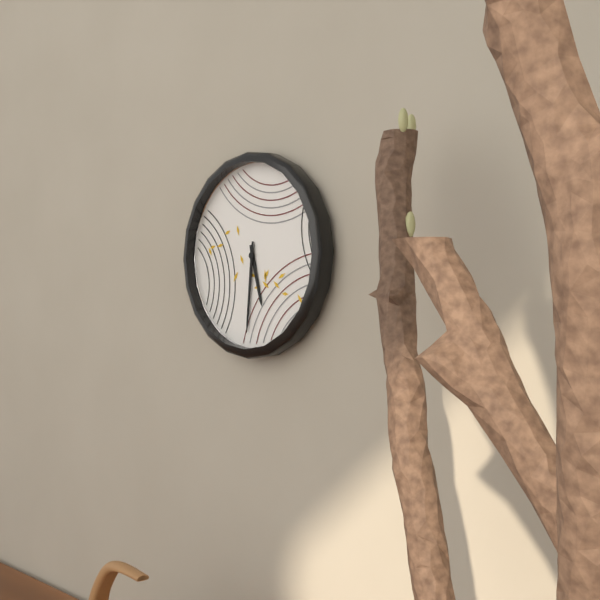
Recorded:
5.31
